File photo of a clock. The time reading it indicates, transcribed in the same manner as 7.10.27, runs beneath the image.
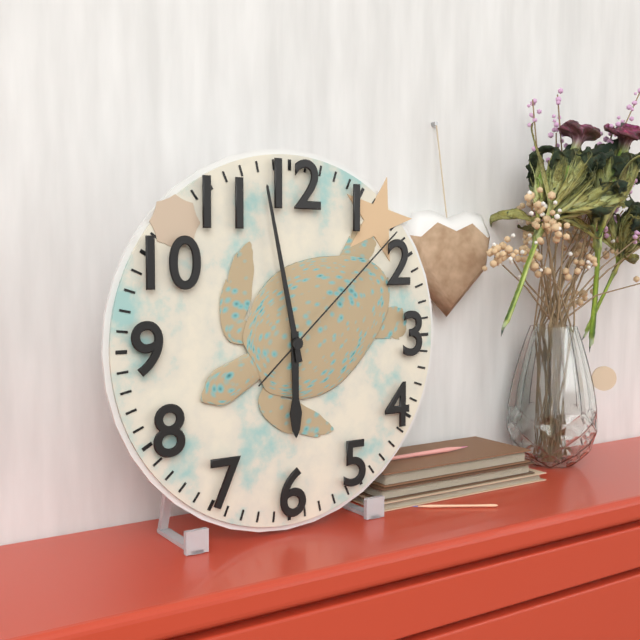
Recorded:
5.58.08
